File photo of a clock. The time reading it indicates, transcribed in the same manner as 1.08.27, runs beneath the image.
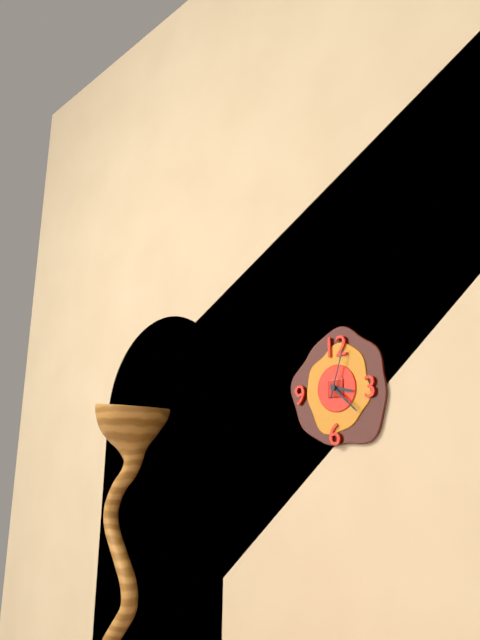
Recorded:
3.22.03
